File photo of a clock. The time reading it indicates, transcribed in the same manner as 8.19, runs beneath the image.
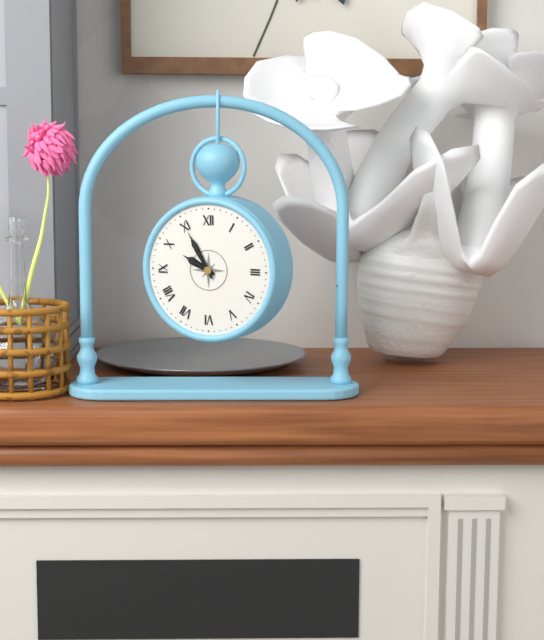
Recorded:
9.55
